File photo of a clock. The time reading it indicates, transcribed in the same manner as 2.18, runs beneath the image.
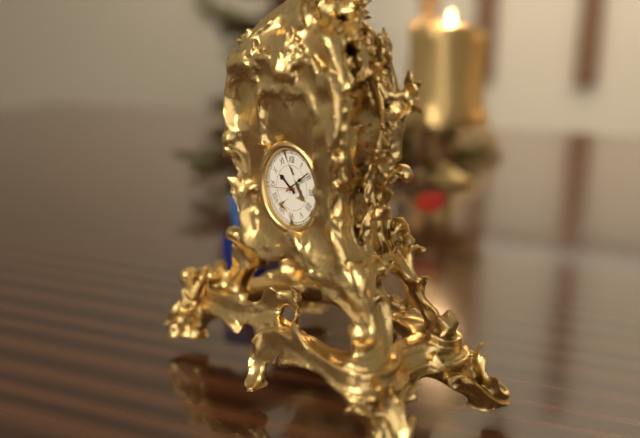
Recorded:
10.09
